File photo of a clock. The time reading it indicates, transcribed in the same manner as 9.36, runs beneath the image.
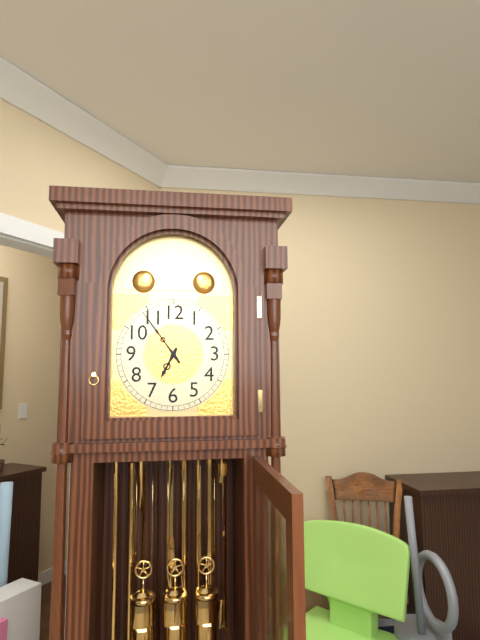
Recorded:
6.54
